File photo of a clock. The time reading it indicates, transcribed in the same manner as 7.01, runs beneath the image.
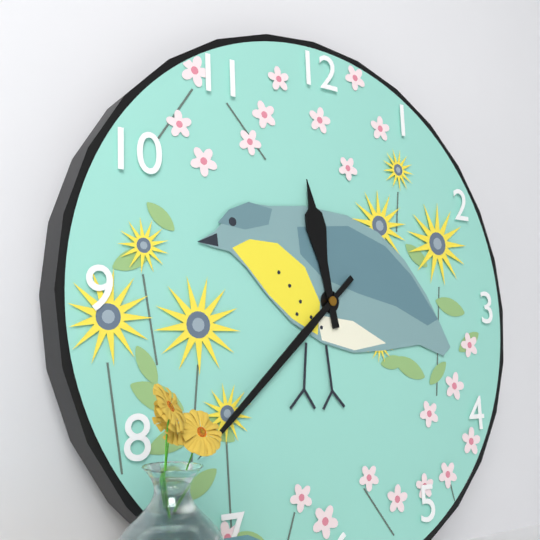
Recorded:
11.38
